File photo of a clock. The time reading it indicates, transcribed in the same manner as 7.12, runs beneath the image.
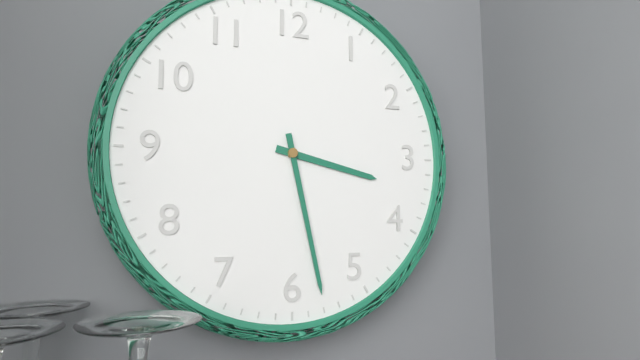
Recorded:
3.28
